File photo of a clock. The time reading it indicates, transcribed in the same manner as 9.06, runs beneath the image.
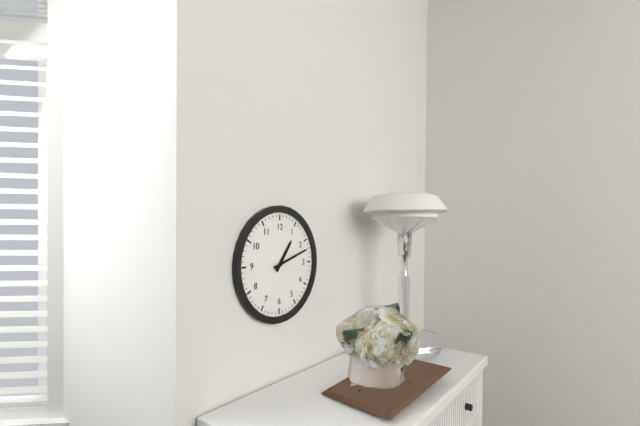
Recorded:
1.12
